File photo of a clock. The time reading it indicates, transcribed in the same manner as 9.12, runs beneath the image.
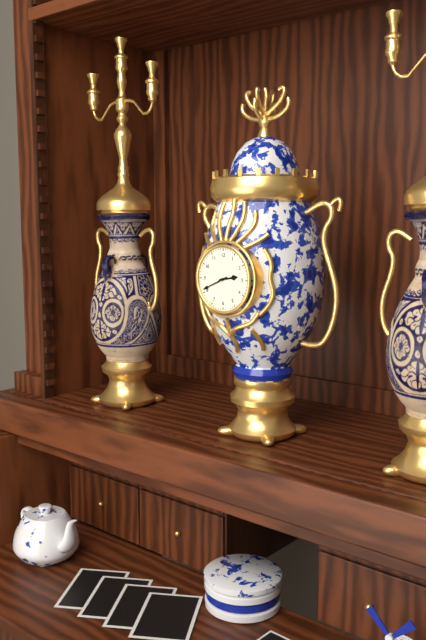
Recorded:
2.41
